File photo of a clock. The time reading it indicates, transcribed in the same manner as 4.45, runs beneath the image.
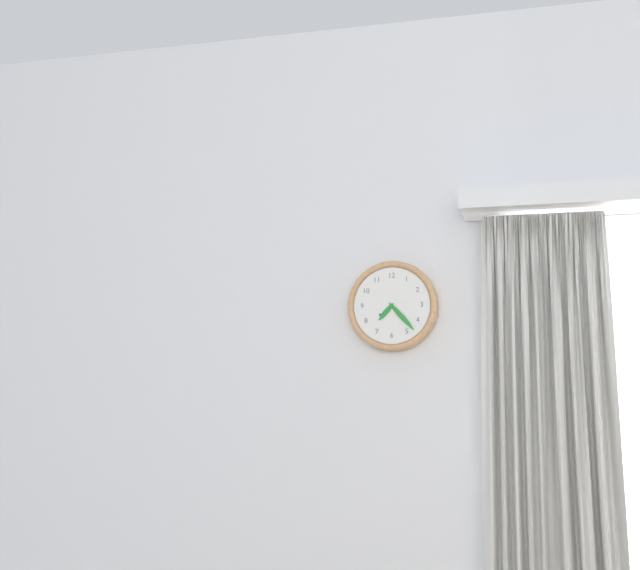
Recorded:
7.23
